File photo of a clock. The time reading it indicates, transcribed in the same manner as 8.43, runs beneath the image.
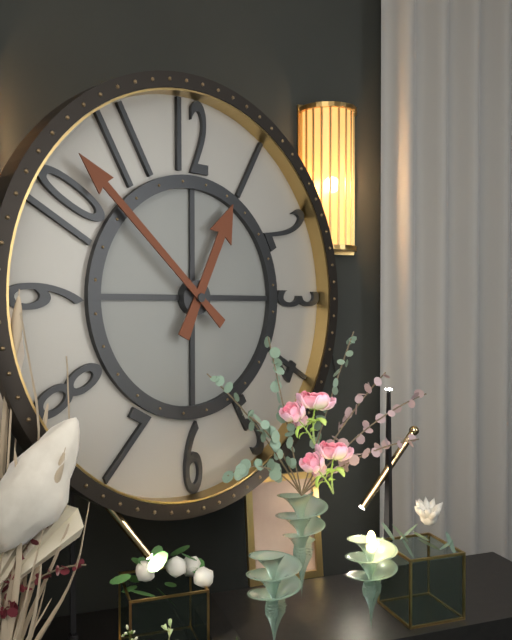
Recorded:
12.52
